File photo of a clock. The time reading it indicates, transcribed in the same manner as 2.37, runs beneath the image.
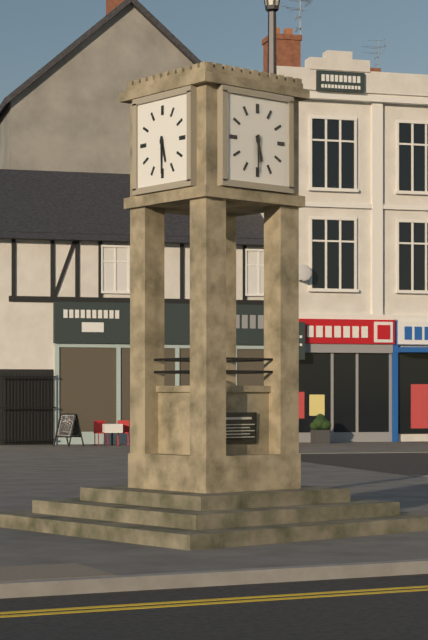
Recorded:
5.30
